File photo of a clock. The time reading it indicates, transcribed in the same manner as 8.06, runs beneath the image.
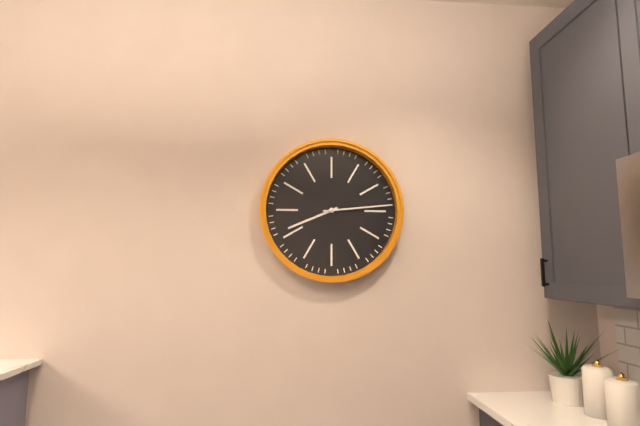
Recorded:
8.14
